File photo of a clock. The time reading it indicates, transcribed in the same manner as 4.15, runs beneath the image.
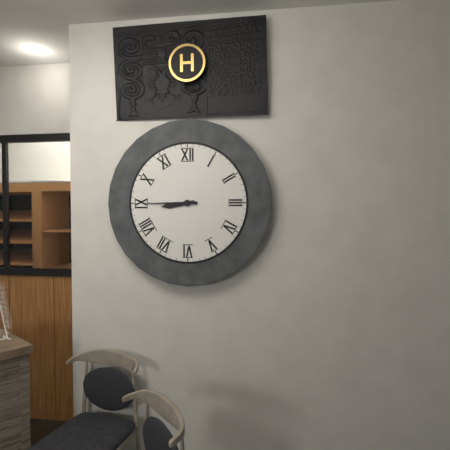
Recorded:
8.45
